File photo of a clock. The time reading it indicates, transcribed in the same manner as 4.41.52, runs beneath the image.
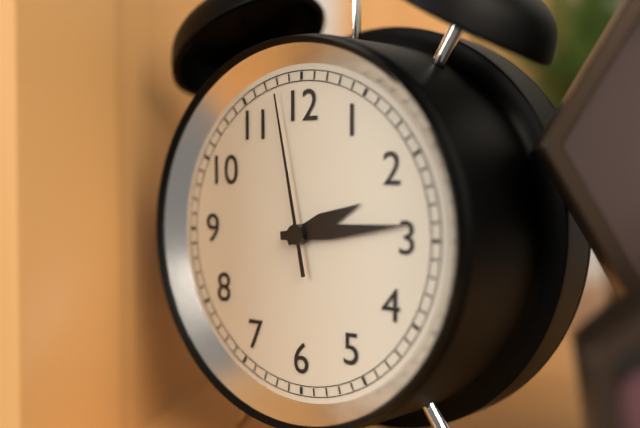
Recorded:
2.14.58
